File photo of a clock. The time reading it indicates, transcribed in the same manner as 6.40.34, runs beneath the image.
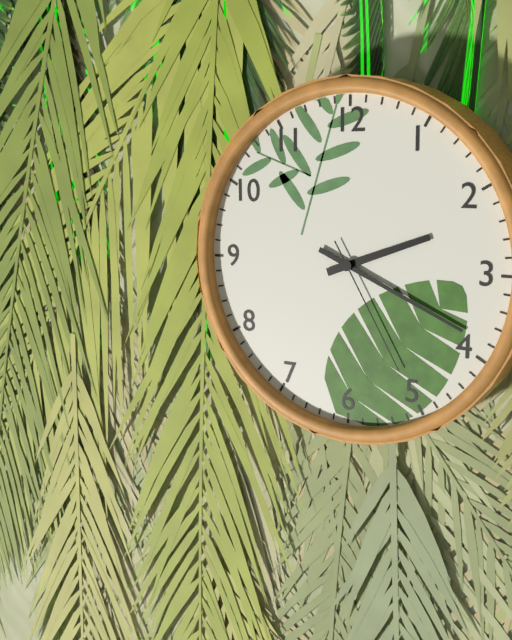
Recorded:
2.19.25
